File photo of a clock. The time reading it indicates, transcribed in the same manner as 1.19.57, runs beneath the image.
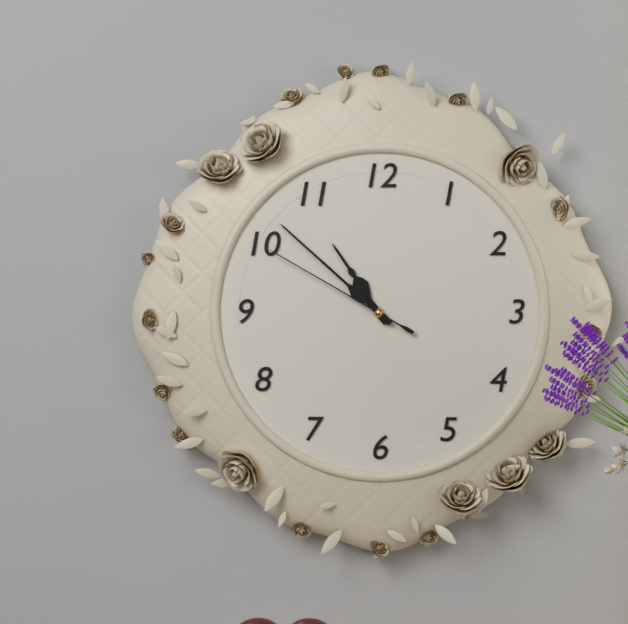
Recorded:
10.52.50
